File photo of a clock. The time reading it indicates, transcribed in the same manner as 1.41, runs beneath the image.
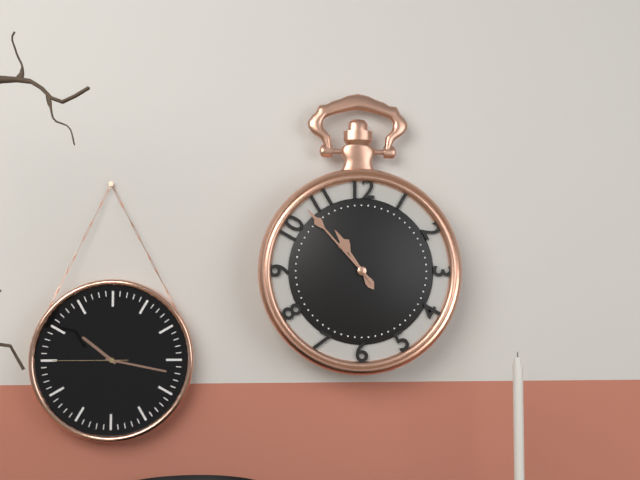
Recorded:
10.53
